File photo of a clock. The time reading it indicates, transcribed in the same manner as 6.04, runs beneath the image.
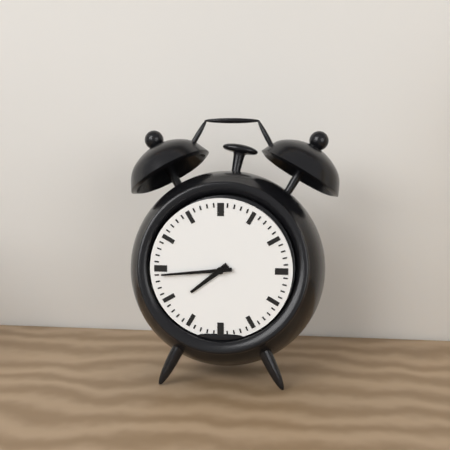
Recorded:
7.44
